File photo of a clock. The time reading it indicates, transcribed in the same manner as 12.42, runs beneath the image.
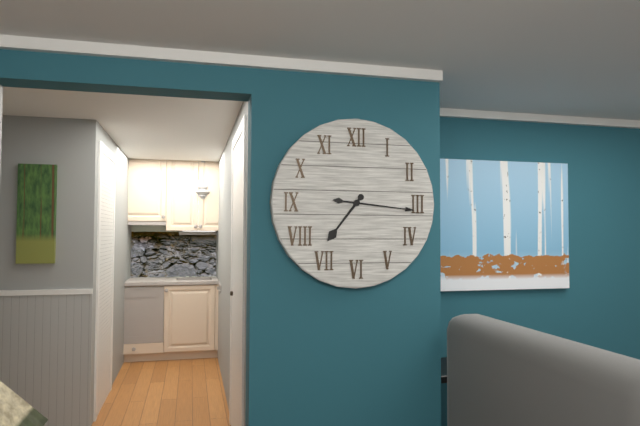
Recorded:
7.16
